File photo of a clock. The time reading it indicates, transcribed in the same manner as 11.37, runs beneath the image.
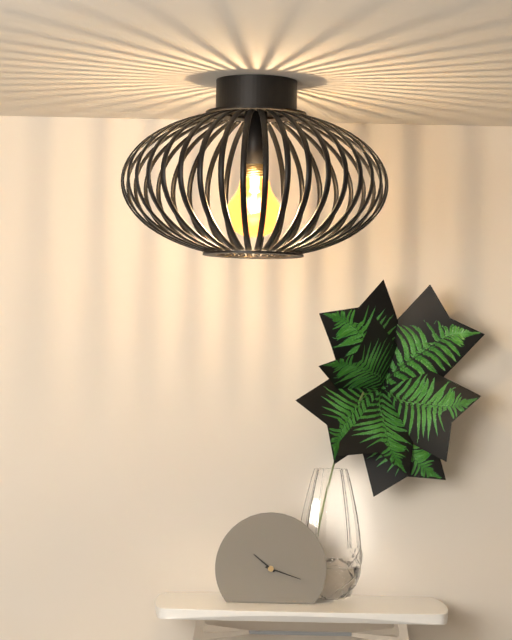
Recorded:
10.18
